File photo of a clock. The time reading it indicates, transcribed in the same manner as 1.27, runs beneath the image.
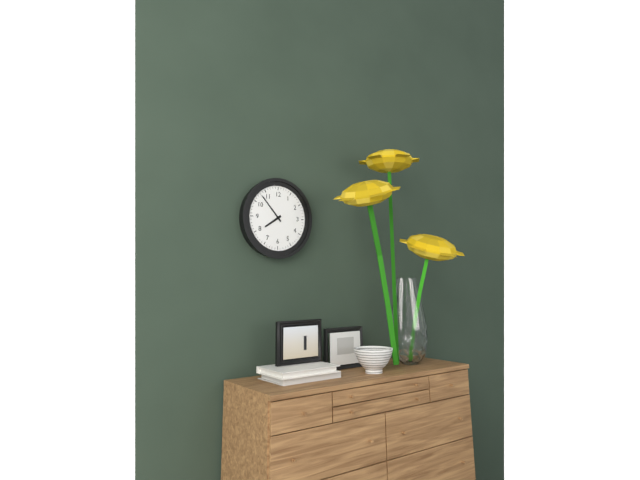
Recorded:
7.53
